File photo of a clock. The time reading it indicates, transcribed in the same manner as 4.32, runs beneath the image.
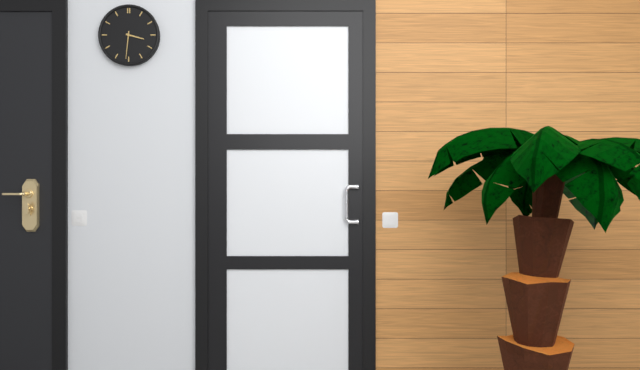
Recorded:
3.31
